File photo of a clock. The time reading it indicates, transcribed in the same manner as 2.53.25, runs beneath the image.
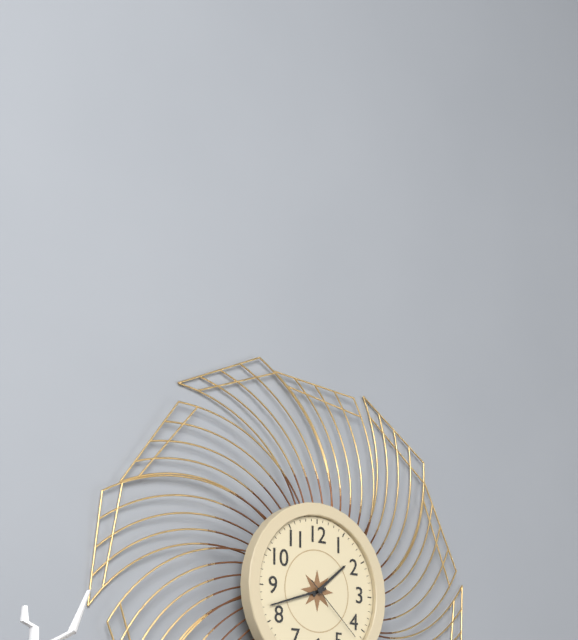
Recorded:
1.42.22
